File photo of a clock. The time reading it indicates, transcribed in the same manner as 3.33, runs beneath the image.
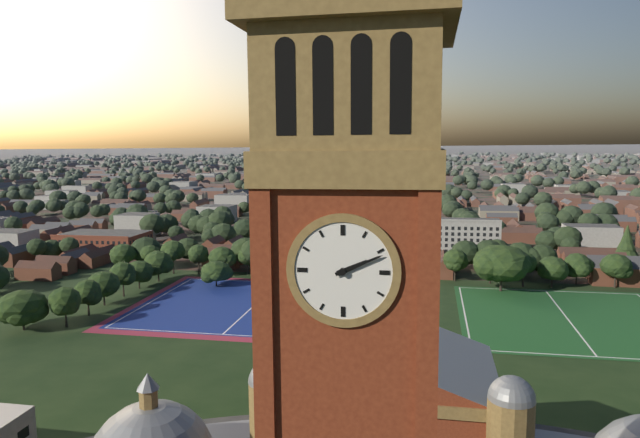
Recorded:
2.11
